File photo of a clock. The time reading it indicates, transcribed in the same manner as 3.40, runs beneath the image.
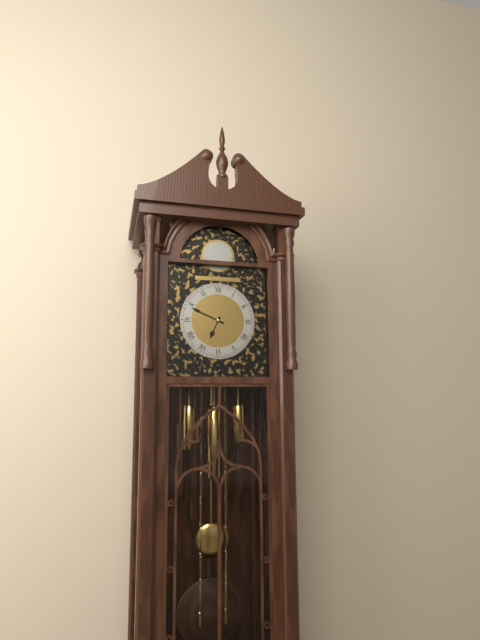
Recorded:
6.49
